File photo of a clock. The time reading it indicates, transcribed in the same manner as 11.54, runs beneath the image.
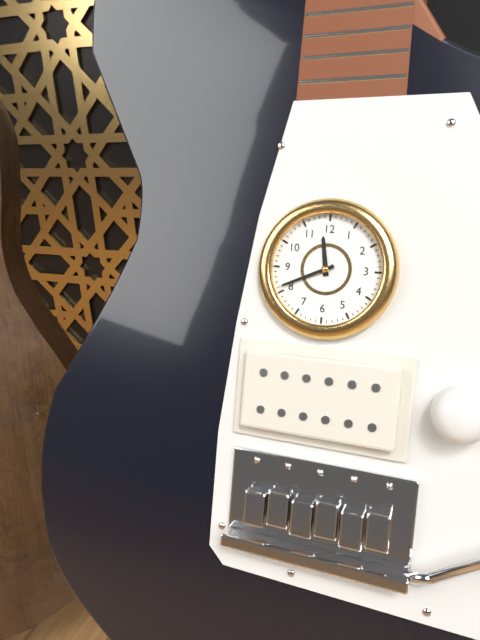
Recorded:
11.41
